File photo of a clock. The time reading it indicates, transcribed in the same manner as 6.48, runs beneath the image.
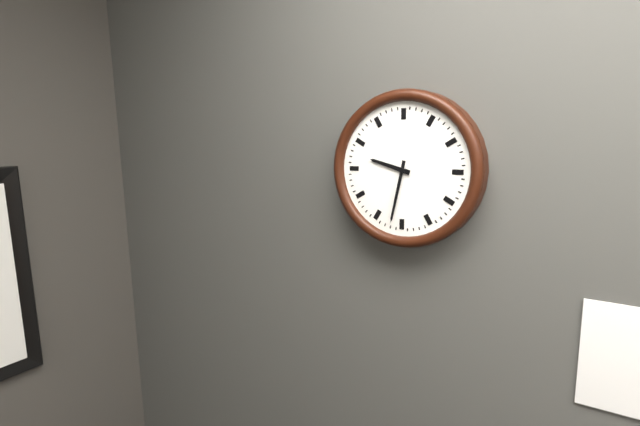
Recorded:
9.32
